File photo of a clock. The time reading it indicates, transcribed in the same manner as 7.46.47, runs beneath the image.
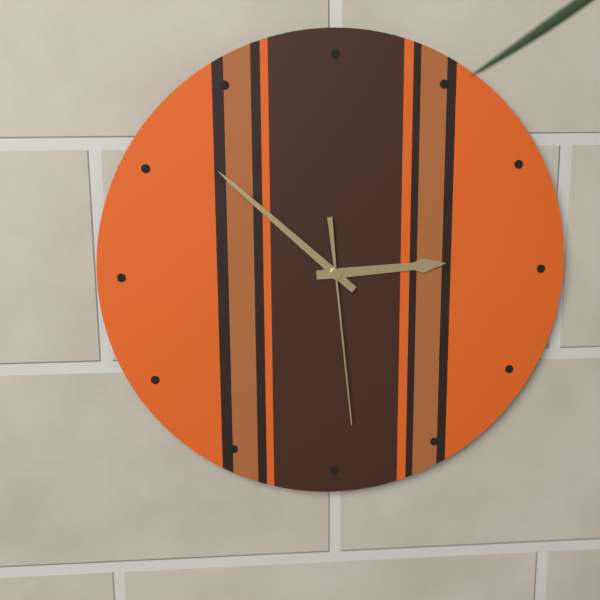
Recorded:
2.52.29
